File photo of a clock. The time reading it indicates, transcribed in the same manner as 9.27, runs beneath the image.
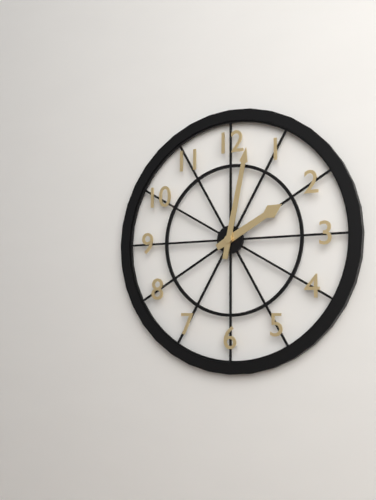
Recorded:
2.02
